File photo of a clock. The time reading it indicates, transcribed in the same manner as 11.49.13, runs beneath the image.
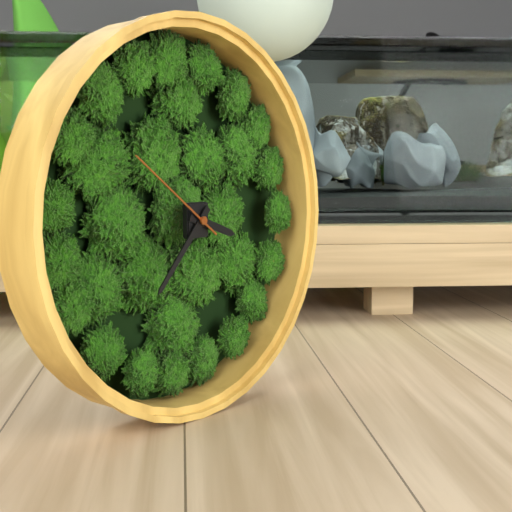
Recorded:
3.37.51
